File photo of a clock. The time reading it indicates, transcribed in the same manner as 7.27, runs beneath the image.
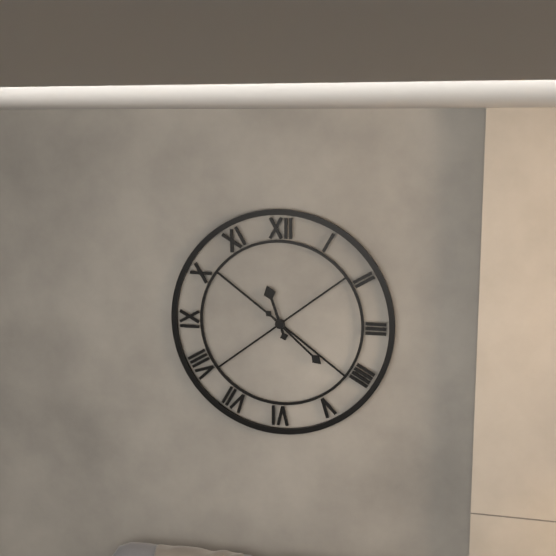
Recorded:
11.22
